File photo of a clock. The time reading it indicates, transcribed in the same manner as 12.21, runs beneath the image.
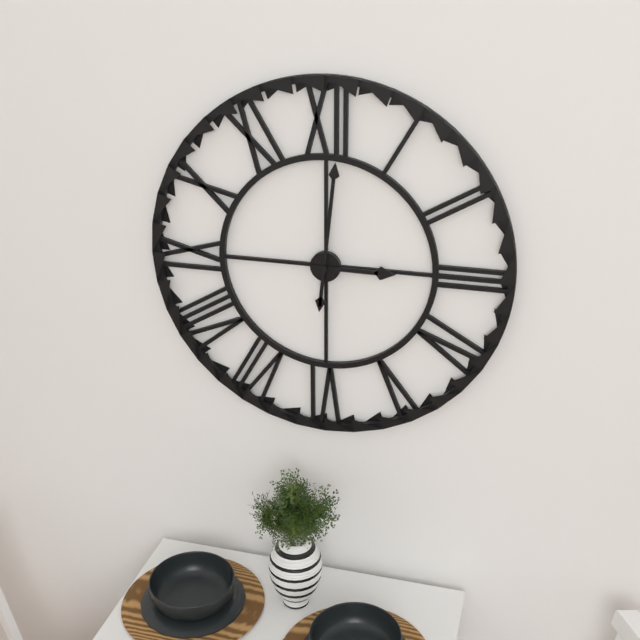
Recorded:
3.01
